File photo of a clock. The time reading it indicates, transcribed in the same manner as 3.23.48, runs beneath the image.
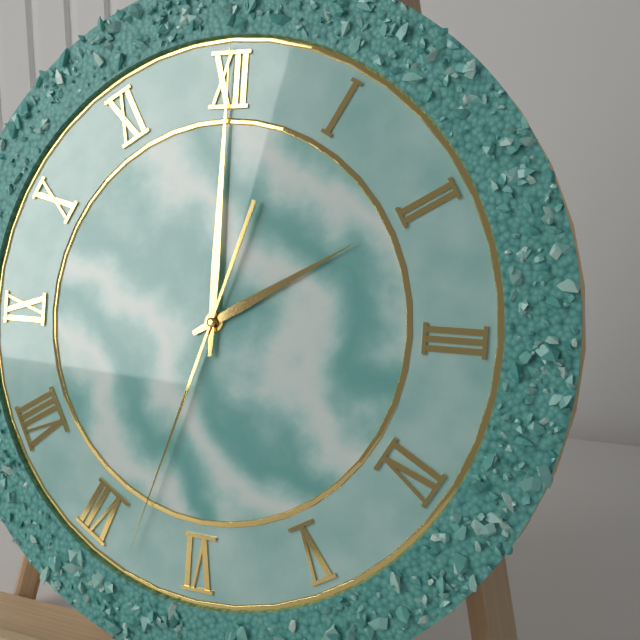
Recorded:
2.00.33
